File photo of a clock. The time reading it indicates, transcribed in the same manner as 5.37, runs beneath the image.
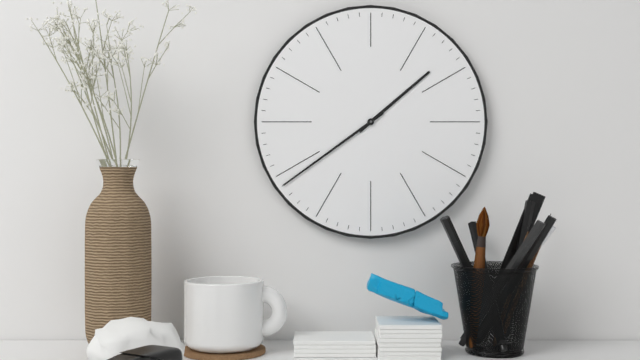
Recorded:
1.39
